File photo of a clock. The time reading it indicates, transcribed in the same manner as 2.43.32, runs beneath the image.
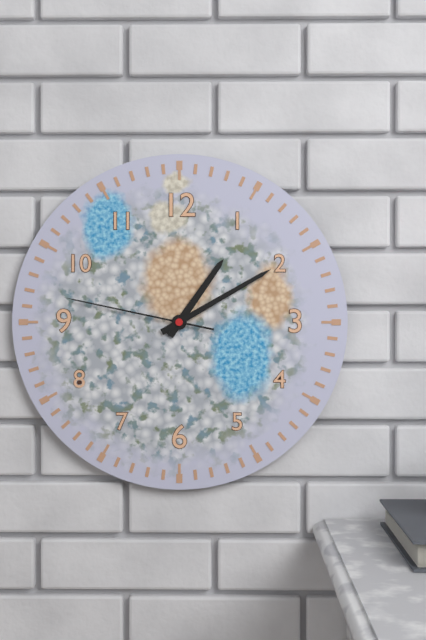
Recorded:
1.10.47
